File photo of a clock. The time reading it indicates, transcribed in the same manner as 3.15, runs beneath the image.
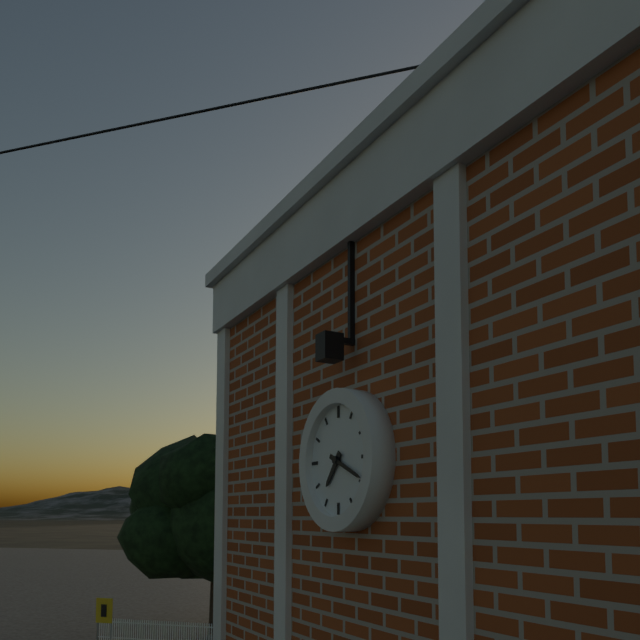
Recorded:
7.19
